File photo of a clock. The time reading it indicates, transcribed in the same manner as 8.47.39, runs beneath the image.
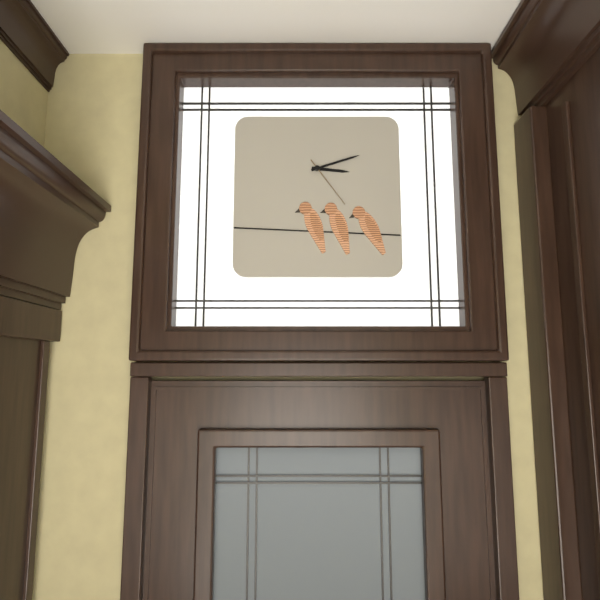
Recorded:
3.12.24
